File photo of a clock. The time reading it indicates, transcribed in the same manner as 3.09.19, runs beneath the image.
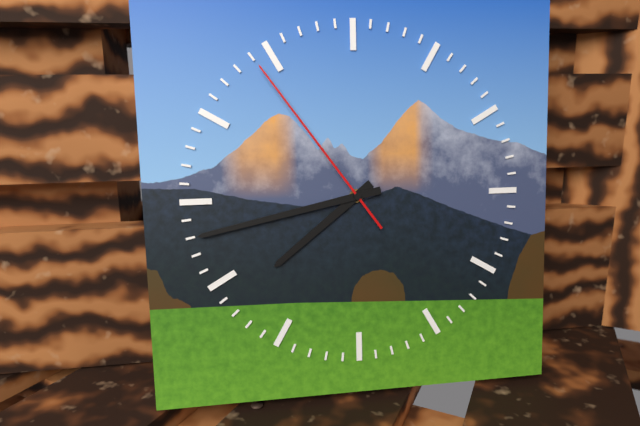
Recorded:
7.43.54
